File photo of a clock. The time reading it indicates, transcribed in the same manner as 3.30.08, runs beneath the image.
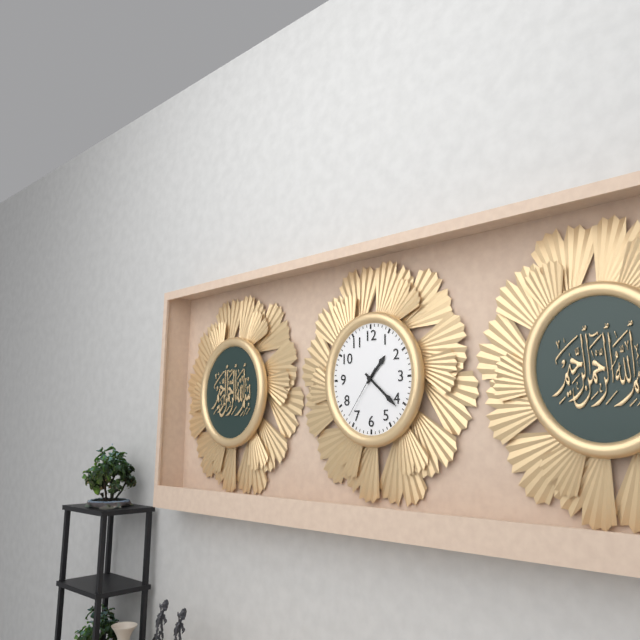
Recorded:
1.22.36
